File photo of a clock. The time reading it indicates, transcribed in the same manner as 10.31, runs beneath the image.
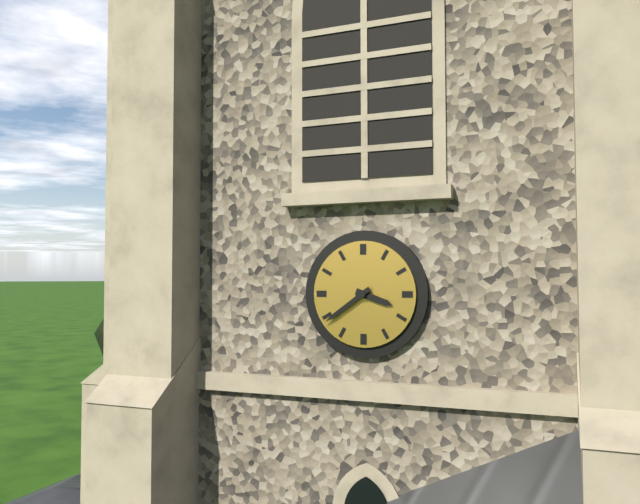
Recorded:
3.39
